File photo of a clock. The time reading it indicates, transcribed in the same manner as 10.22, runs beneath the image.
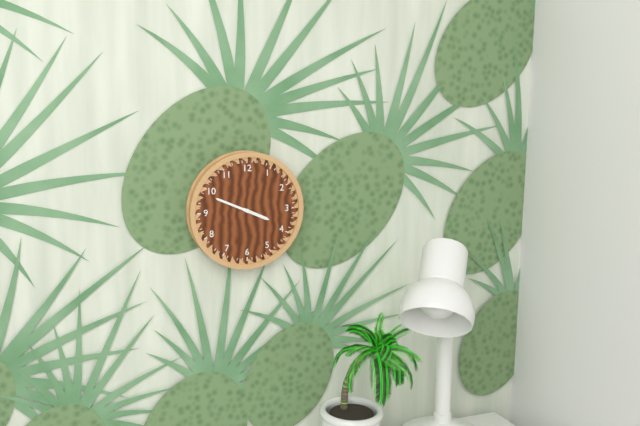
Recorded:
3.49
